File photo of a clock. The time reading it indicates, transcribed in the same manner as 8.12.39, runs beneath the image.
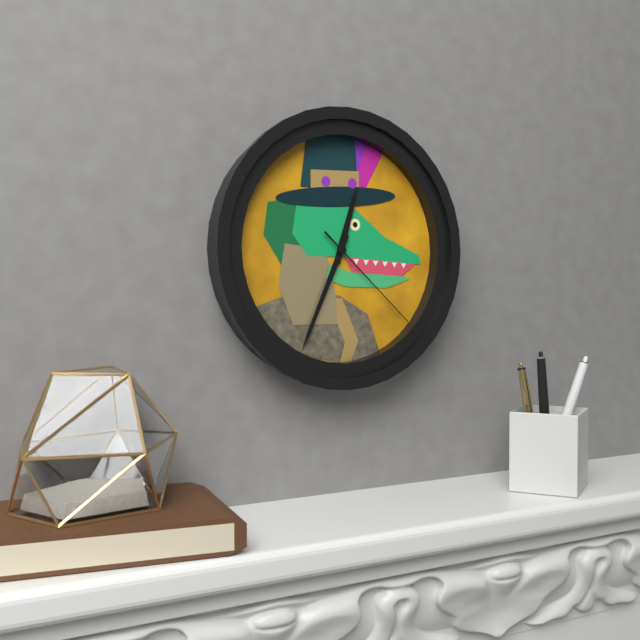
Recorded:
12.34.22
